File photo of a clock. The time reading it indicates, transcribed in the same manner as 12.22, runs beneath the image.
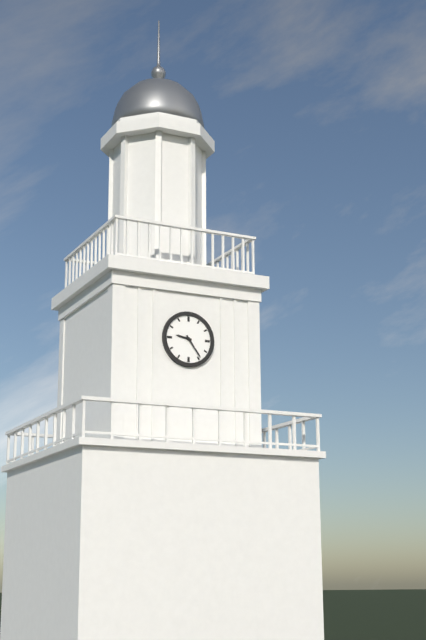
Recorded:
9.24
